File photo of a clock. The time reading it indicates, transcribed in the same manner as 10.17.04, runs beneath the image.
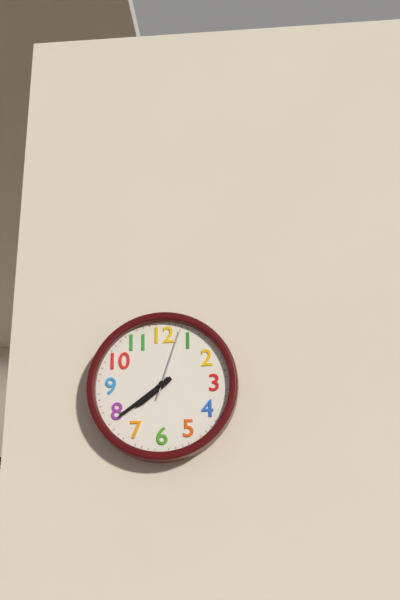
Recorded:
7.39.03
